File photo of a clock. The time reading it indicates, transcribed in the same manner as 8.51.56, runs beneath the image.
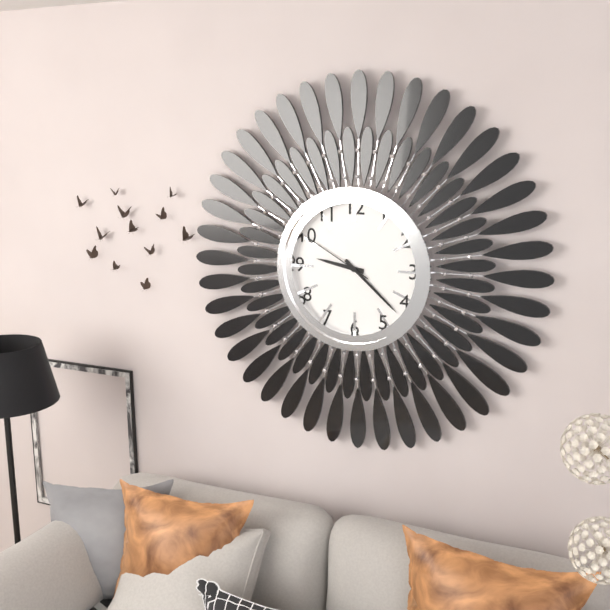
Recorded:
9.22.50
